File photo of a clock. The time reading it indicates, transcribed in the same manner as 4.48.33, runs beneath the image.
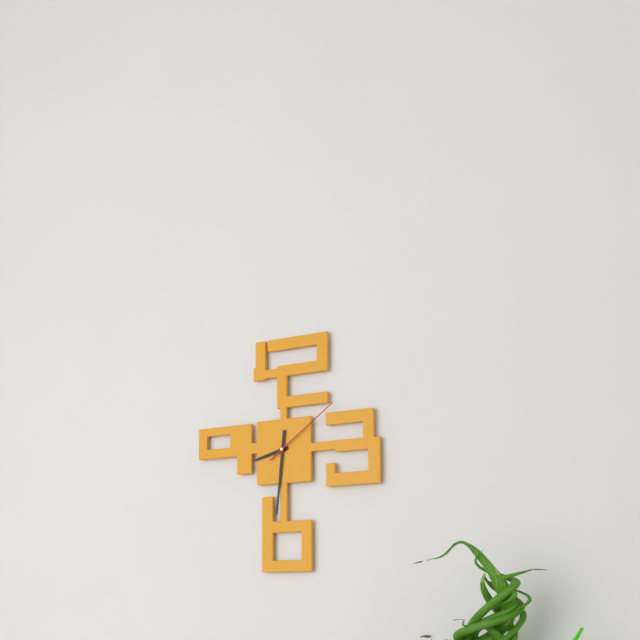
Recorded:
8.31.09
